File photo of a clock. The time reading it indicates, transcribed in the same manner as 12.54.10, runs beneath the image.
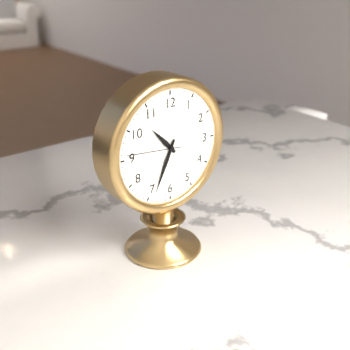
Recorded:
10.34.46
